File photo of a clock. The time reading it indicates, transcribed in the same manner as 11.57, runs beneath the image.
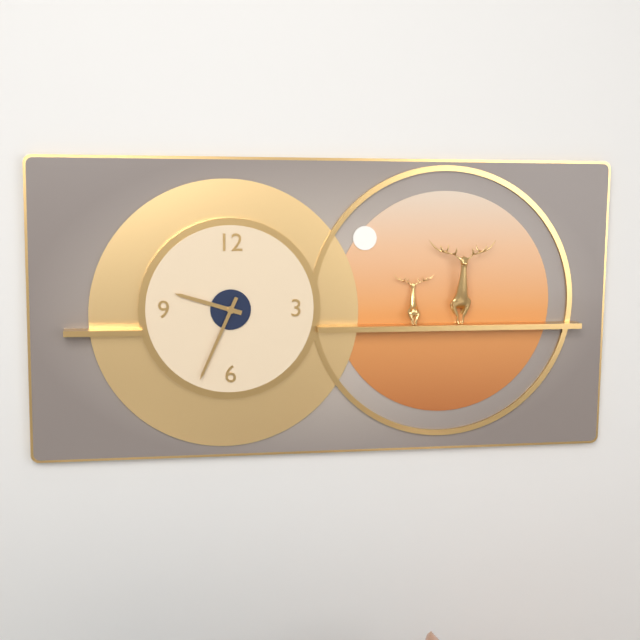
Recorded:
9.34
